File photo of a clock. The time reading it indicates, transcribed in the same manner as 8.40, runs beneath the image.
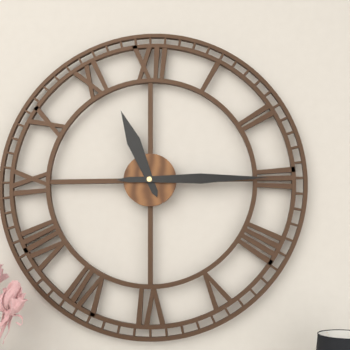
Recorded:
11.15
